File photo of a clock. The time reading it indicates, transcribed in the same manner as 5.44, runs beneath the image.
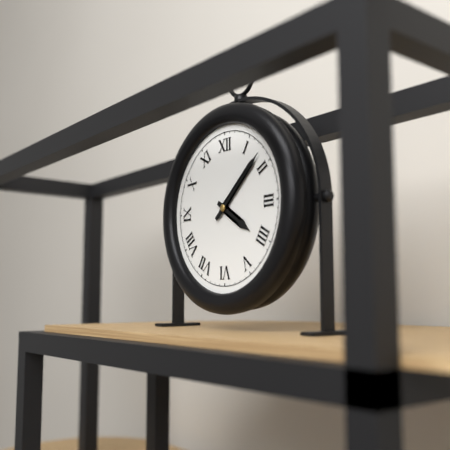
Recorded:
4.08
